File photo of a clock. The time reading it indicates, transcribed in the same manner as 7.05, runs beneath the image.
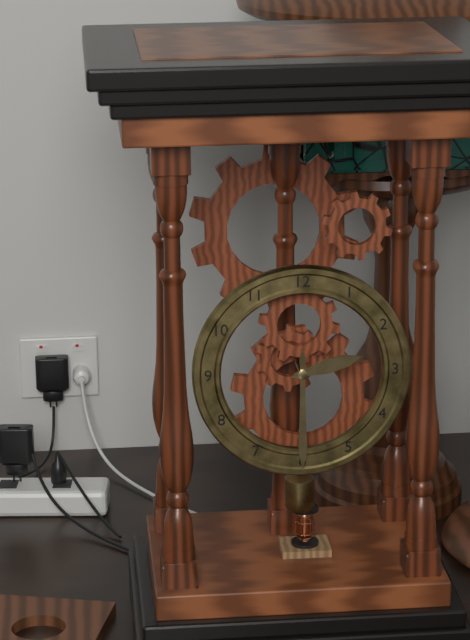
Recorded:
2.30
